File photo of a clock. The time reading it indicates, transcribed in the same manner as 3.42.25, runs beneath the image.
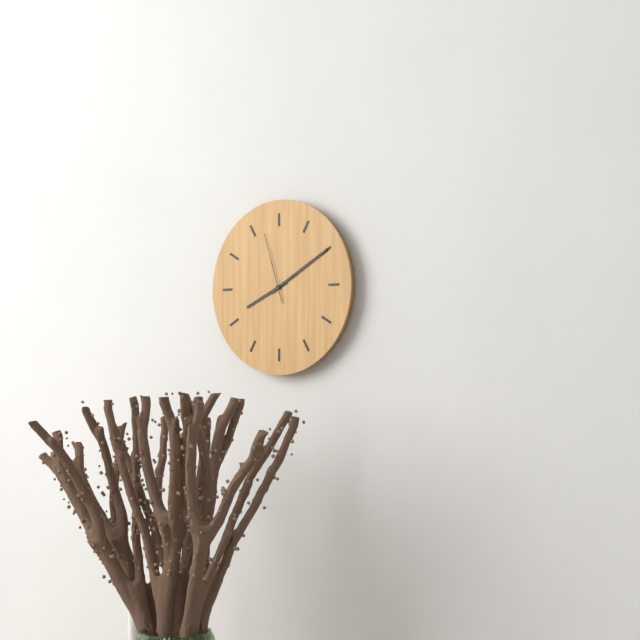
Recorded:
8.10.57
